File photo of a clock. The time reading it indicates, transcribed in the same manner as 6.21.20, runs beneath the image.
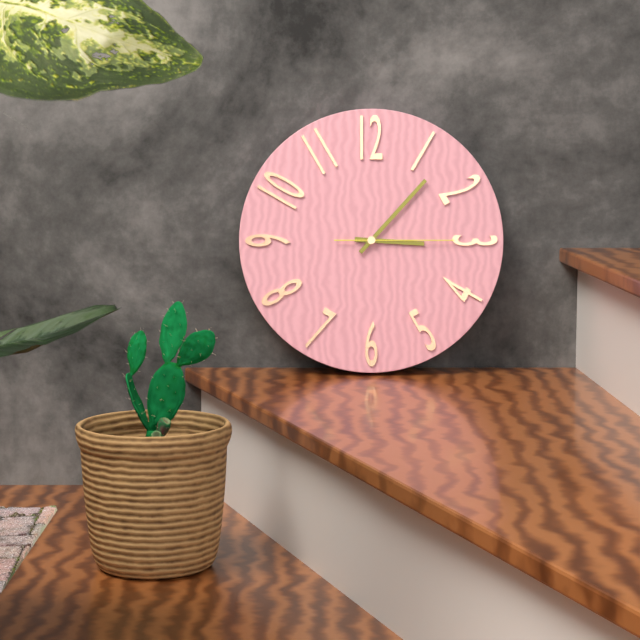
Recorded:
3.07.15
